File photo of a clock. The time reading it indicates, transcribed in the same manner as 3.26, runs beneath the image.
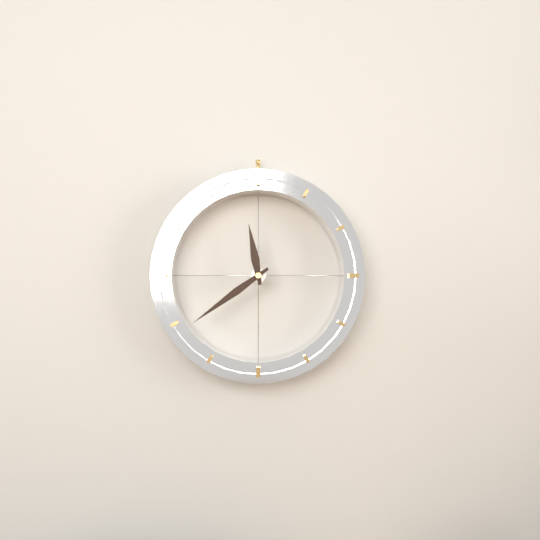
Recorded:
11.39
